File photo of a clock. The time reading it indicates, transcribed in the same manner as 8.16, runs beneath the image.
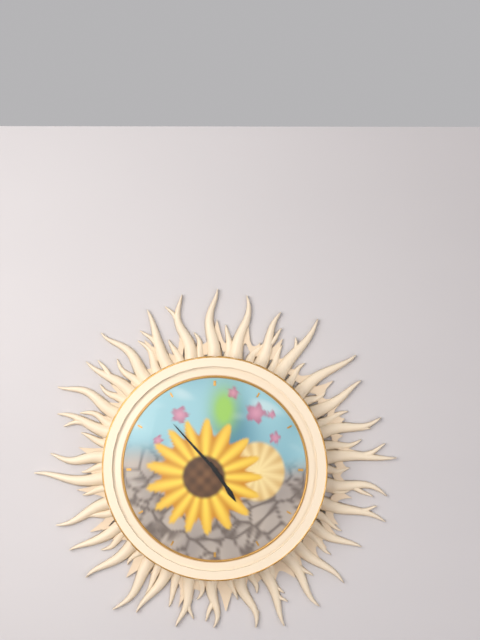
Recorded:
4.53
